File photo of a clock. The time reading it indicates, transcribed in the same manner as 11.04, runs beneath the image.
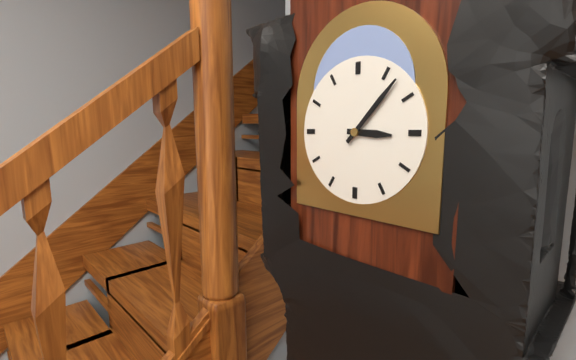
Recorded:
3.07
